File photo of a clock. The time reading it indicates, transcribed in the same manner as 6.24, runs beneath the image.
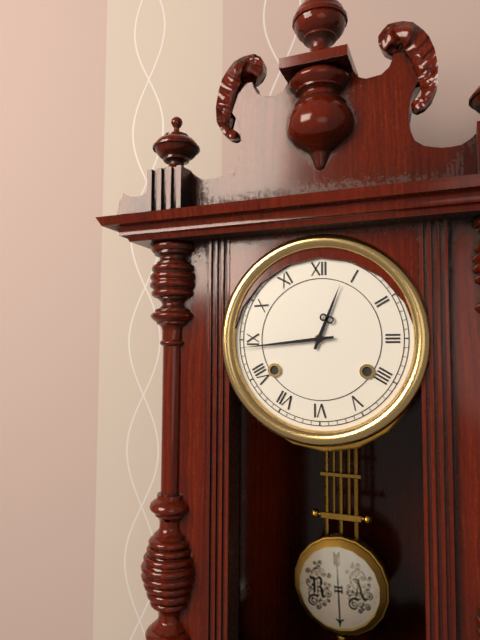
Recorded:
12.44
